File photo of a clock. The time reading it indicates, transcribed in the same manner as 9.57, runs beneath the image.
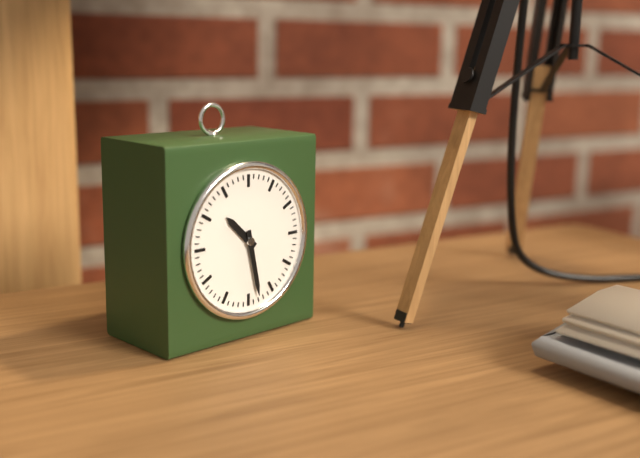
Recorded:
10.28
